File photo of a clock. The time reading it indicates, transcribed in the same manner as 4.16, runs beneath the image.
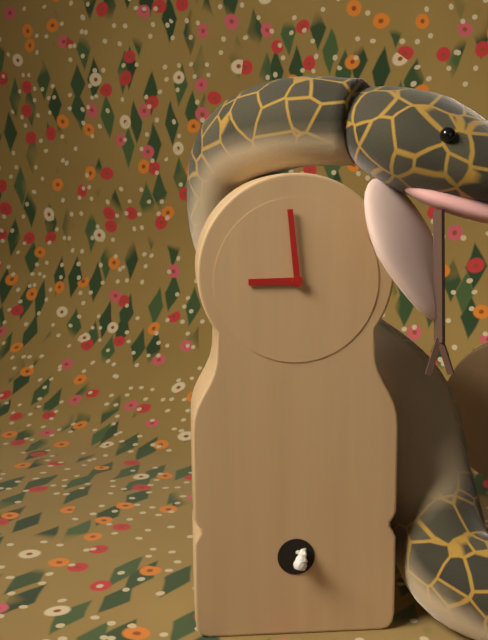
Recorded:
8.59
